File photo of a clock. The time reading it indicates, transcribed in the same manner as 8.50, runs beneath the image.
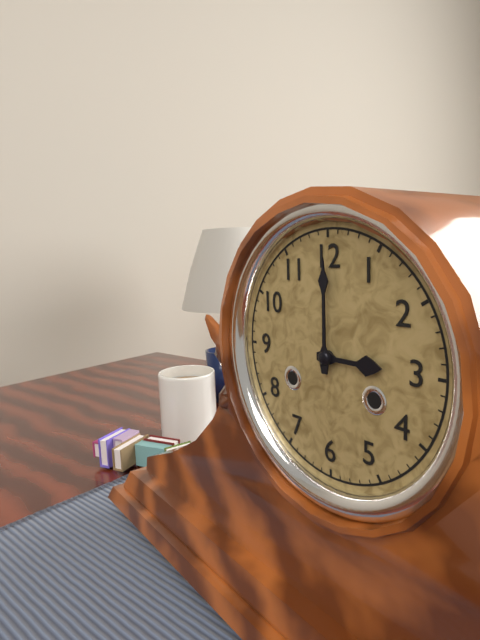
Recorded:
3.00
